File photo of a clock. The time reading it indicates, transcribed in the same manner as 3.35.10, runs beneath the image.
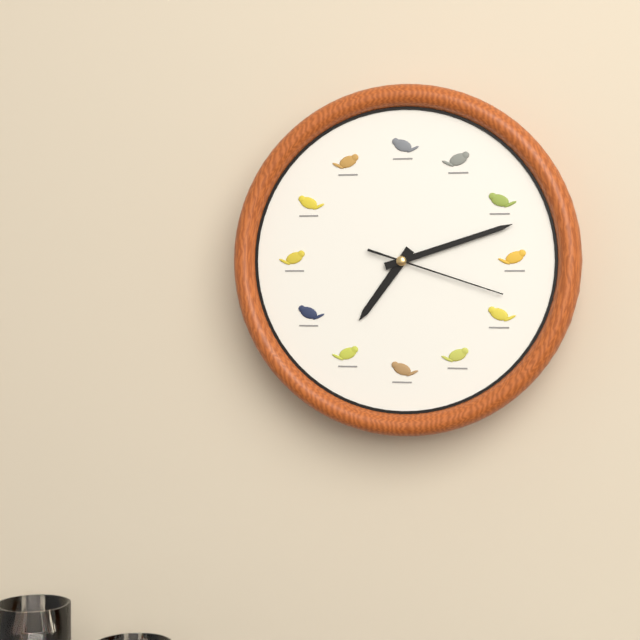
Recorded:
7.12.18
